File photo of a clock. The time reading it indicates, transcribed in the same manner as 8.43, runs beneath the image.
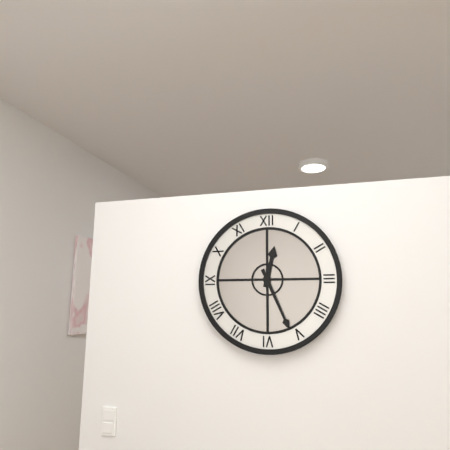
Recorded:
12.26
